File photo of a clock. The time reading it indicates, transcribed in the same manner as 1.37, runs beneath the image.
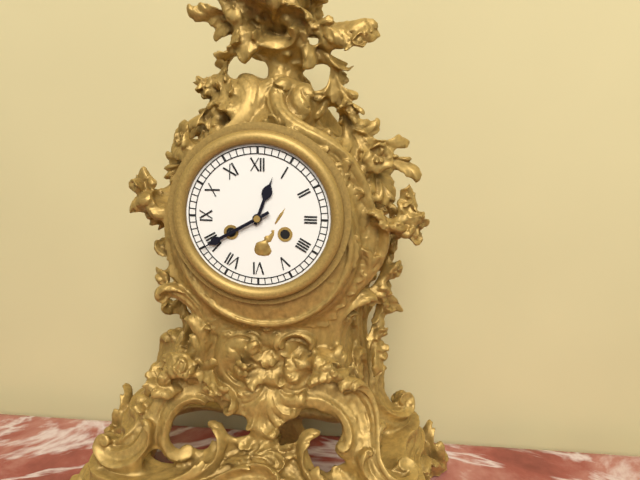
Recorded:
12.40
